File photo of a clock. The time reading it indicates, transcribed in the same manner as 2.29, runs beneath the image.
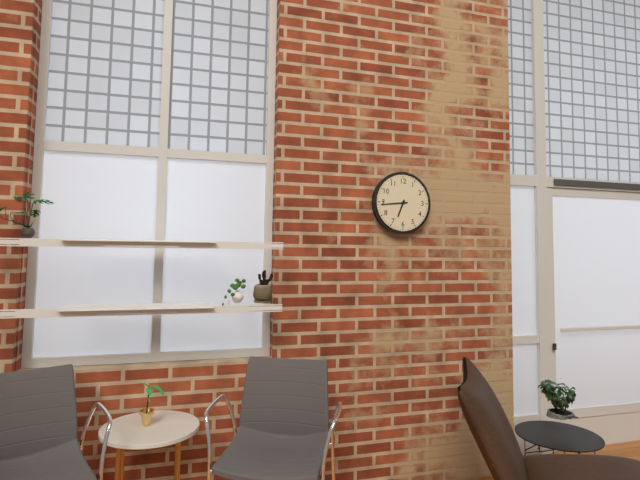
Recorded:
6.44
